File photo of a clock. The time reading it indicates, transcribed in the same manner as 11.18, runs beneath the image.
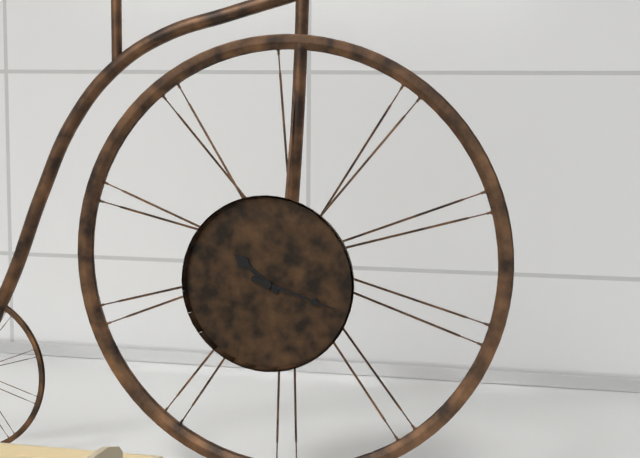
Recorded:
10.18
